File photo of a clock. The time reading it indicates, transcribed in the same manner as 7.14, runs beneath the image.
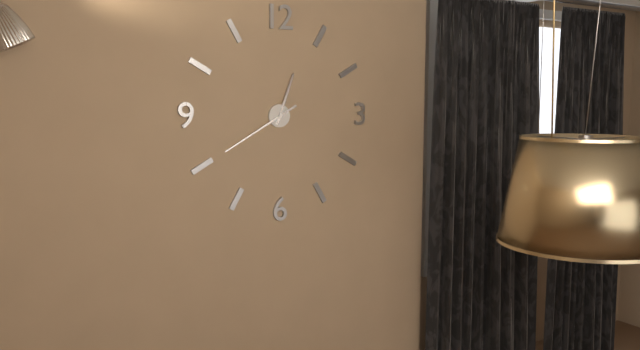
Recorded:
12.40
